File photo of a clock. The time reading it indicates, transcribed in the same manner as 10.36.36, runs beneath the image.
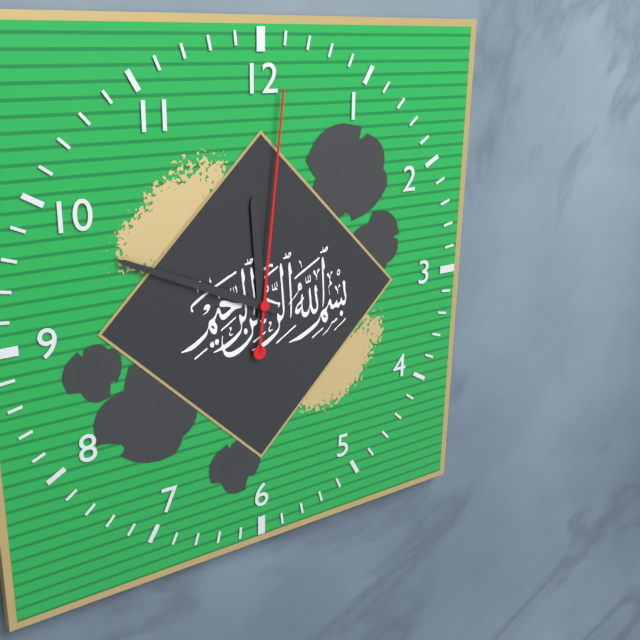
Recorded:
11.49.01
